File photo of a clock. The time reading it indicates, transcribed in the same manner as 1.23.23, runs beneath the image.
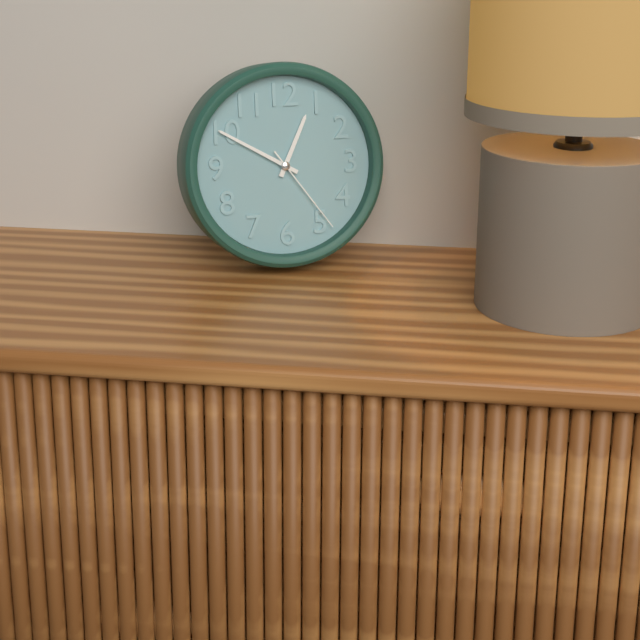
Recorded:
12.50.24
